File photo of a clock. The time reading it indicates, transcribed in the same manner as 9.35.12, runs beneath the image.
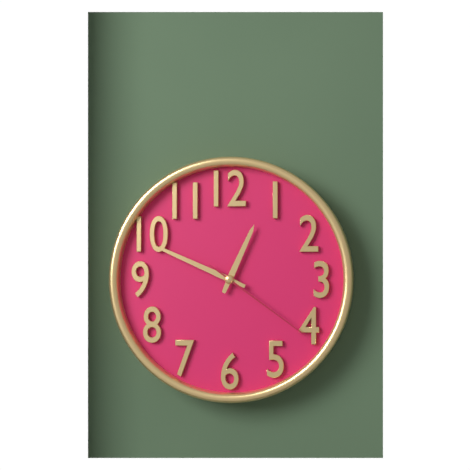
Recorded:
12.49.21
